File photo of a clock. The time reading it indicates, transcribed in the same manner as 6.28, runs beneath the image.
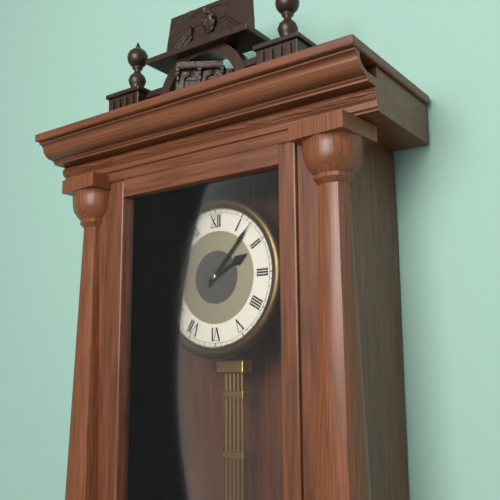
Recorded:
2.07
